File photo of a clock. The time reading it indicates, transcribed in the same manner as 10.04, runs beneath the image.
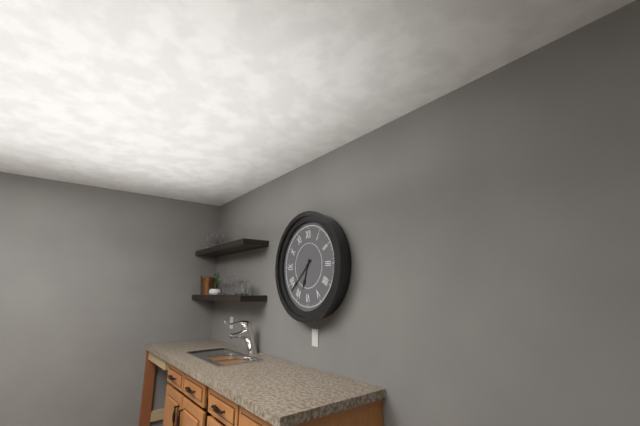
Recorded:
6.38
